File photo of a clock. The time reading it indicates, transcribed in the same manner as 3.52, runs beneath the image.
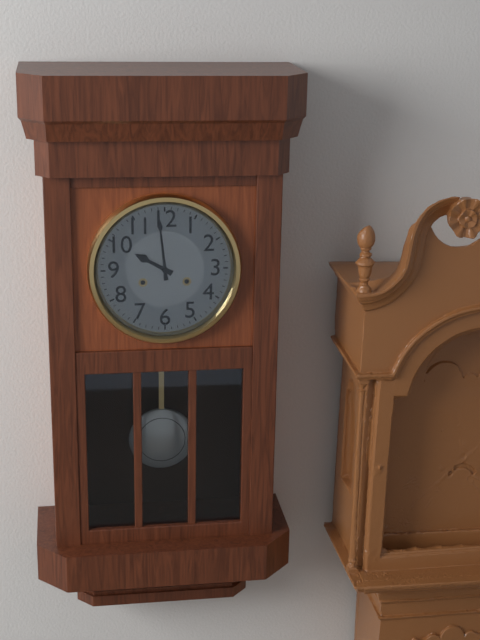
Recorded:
9.59
